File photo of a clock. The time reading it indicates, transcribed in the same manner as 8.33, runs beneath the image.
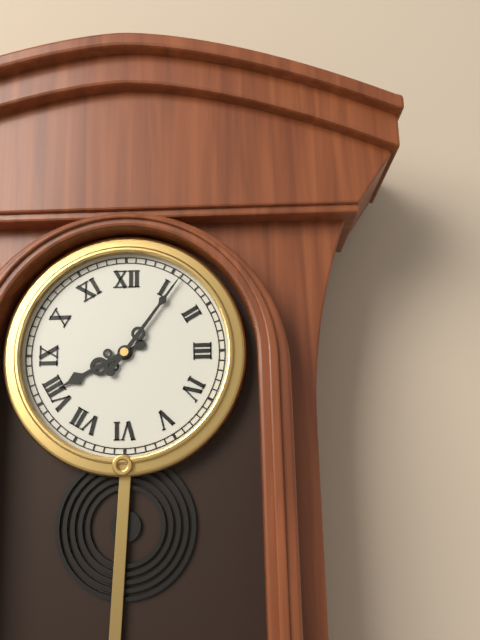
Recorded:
8.06
